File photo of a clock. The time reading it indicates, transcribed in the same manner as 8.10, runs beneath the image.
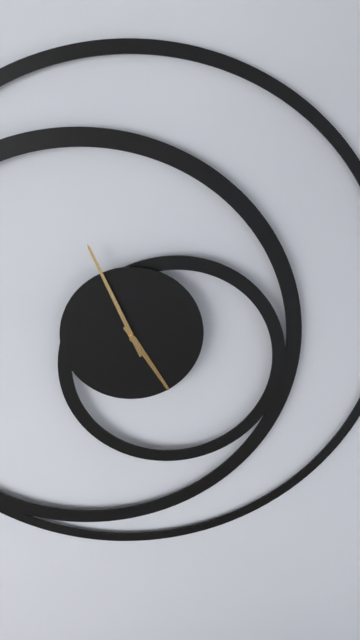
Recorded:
4.56
